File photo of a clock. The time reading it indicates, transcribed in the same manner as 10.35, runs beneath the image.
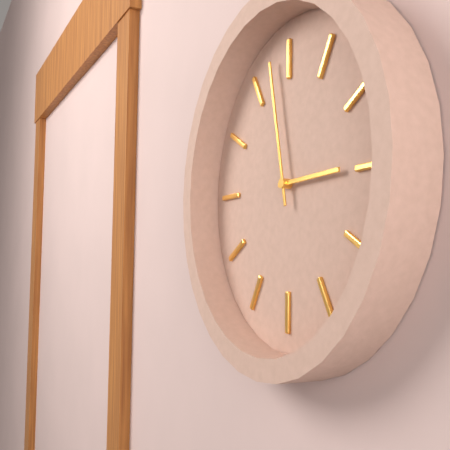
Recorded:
2.58
